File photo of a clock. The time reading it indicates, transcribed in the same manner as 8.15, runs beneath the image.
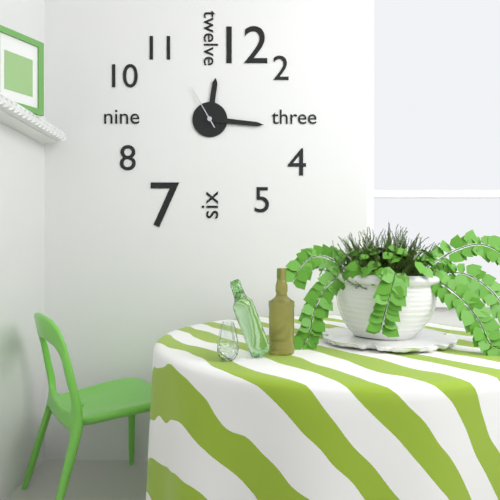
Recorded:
12.16
